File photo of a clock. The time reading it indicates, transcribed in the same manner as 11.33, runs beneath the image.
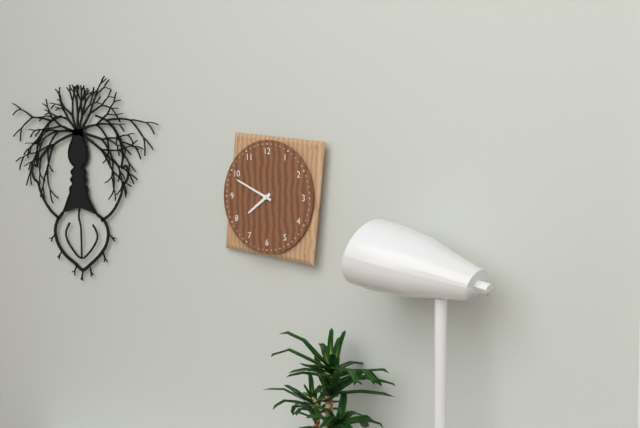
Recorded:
7.49
